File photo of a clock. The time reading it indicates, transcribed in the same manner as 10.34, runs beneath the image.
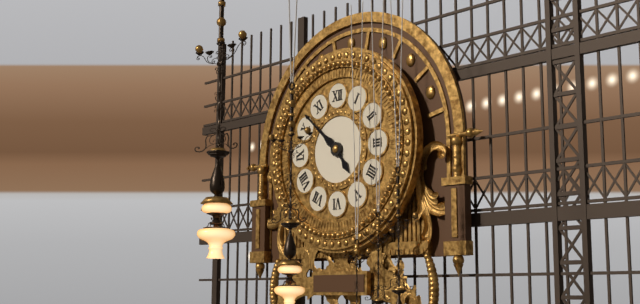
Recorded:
4.52
